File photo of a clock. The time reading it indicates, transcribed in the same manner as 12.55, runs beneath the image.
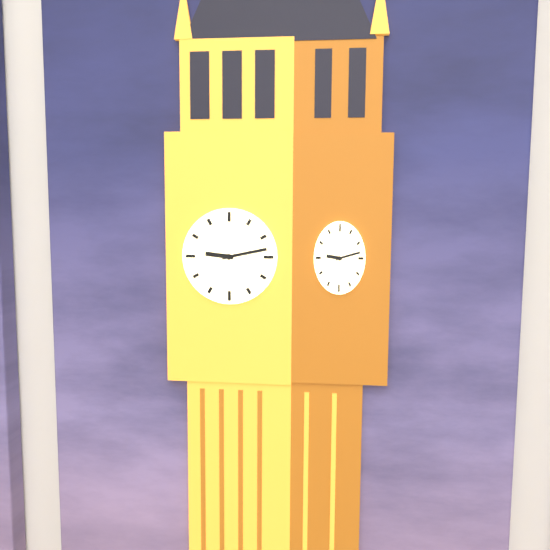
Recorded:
9.13
